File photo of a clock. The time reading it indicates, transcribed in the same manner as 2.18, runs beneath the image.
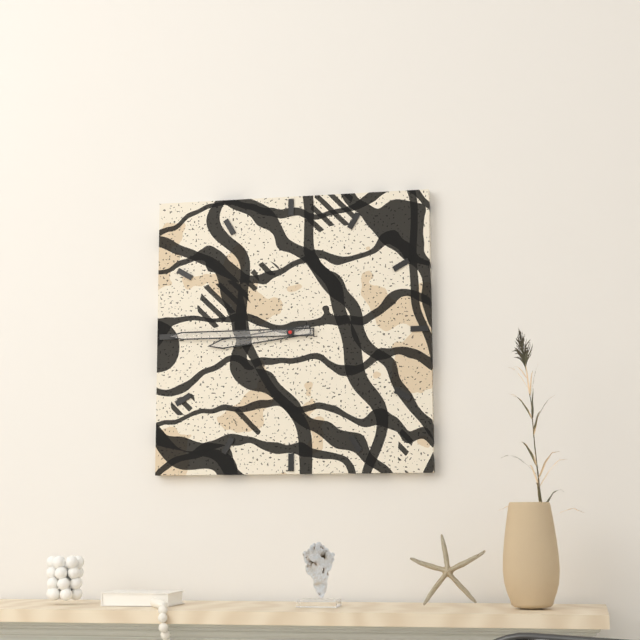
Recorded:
8.45
